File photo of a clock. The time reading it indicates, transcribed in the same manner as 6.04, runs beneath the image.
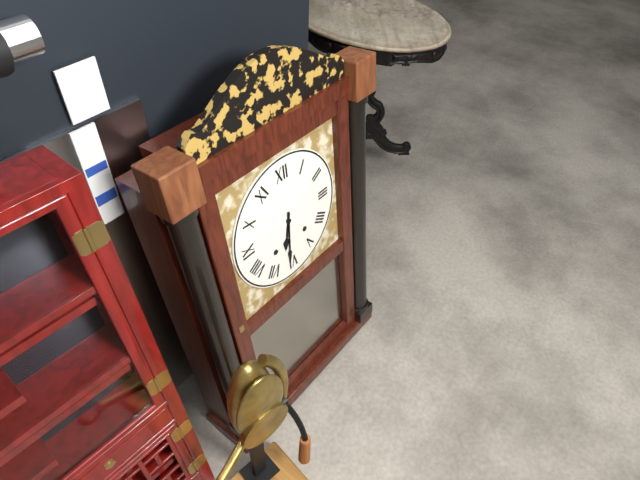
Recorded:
6.31
